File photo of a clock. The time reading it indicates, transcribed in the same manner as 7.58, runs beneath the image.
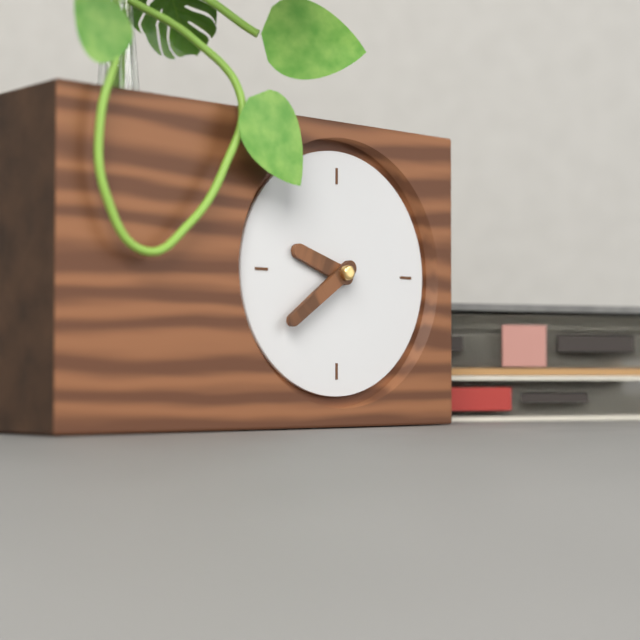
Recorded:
9.39
